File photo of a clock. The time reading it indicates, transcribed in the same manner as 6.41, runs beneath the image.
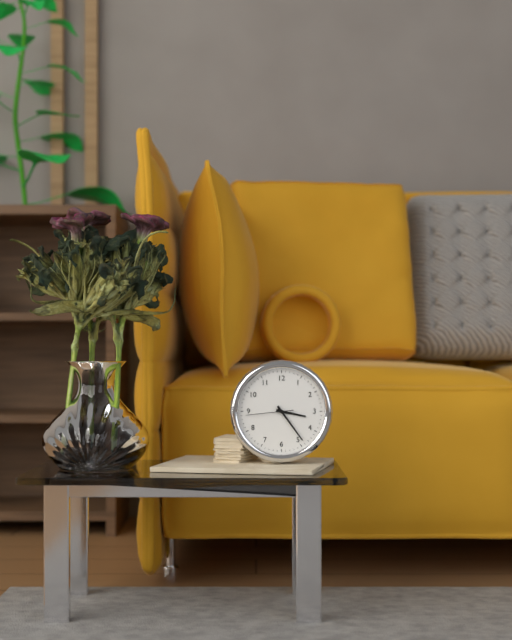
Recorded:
3.24
